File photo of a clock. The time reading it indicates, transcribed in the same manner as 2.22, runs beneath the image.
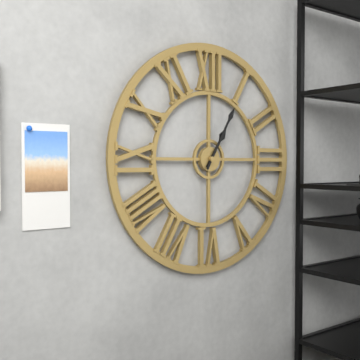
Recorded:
1.05
